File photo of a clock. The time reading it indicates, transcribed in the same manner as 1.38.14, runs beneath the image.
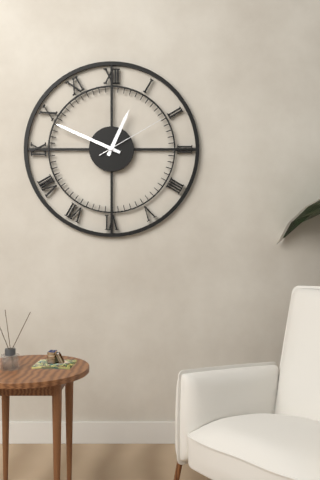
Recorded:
12.49.10
